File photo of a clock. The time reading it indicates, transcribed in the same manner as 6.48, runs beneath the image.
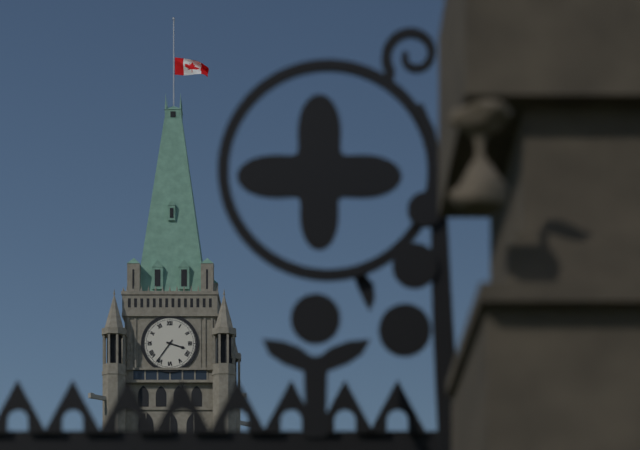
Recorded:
3.36
